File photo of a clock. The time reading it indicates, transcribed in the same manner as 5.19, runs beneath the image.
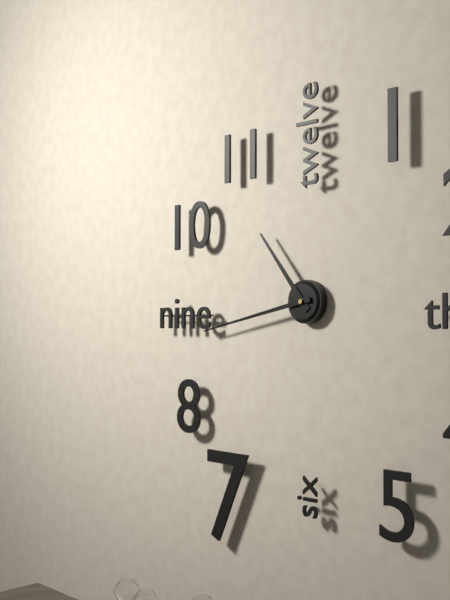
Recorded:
10.43
